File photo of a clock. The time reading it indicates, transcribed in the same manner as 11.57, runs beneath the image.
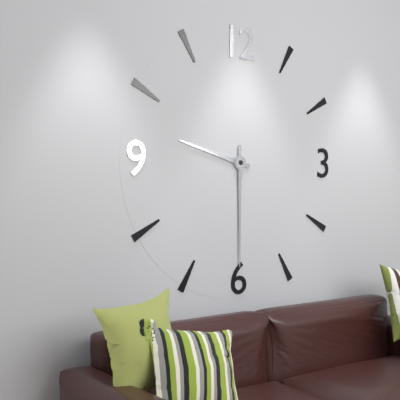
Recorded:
9.30
